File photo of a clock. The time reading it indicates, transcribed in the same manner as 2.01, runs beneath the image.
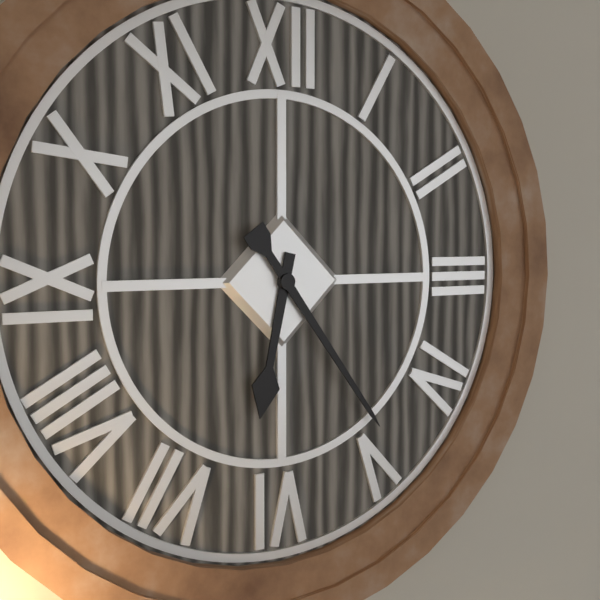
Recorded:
6.24
